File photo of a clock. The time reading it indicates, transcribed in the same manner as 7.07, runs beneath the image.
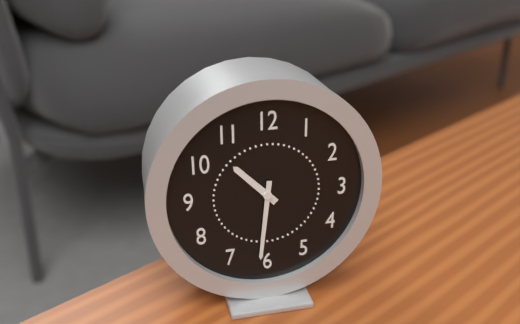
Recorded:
10.31
